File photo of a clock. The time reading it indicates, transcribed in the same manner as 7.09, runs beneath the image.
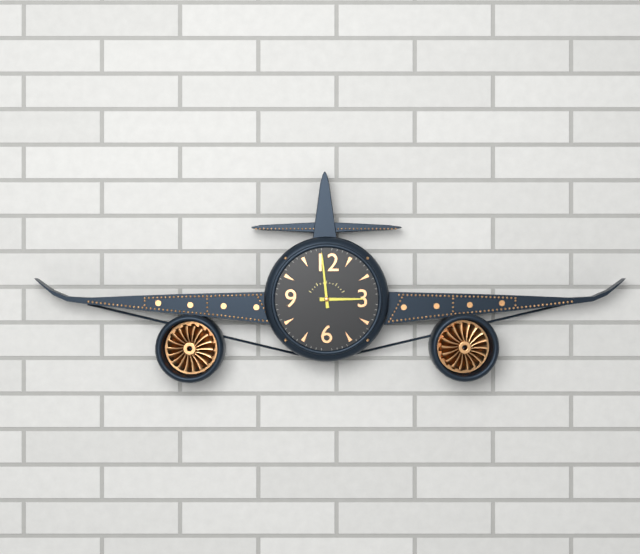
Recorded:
2.59
